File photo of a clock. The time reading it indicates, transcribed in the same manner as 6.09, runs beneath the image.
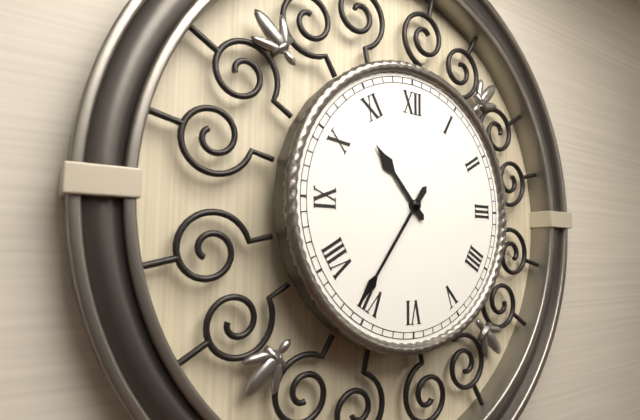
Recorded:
10.36
